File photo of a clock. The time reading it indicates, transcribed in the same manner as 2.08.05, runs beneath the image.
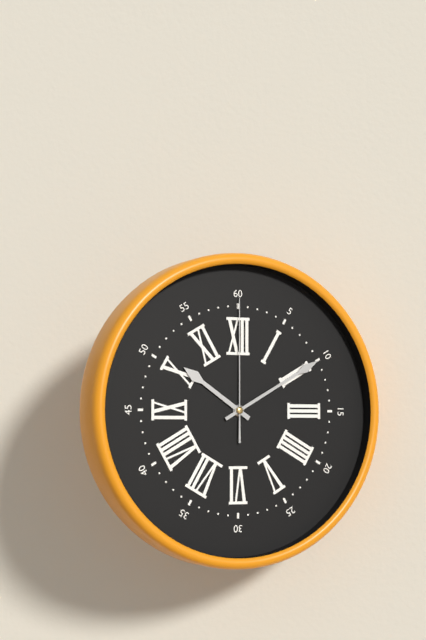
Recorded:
10.10.00
